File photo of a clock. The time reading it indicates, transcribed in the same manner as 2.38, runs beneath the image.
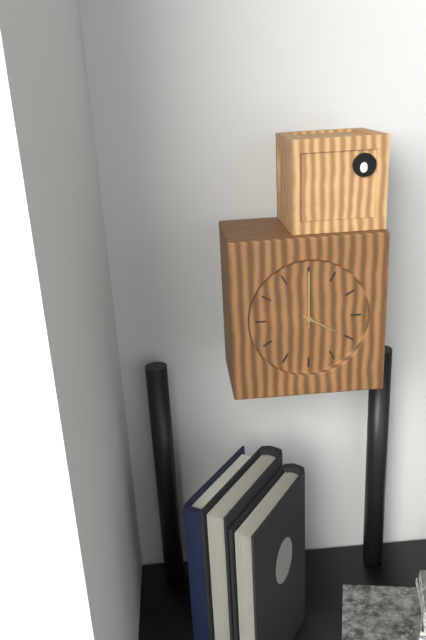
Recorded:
4.00
